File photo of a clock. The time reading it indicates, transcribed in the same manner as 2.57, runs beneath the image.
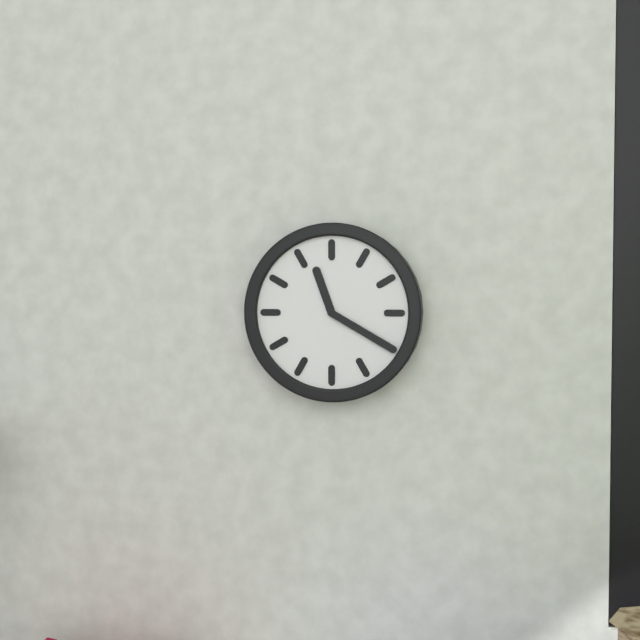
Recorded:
11.20
